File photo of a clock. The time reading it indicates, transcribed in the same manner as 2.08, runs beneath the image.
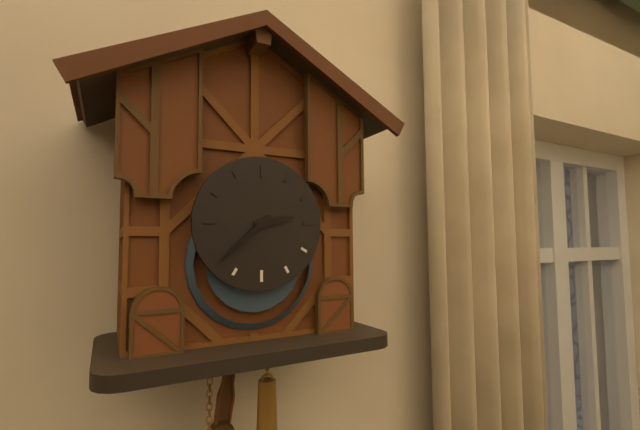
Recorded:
2.38
